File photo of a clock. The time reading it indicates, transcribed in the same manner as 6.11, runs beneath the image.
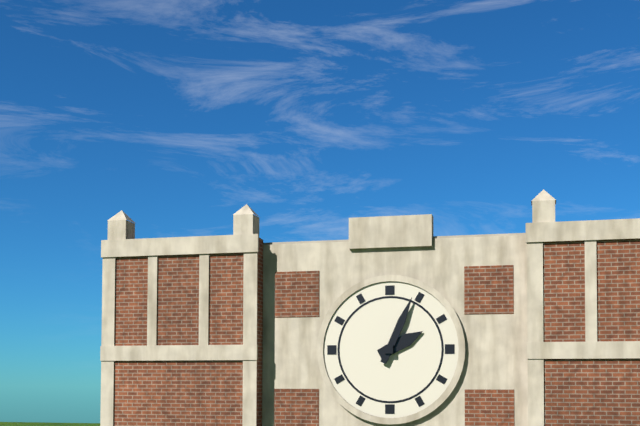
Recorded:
2.04
